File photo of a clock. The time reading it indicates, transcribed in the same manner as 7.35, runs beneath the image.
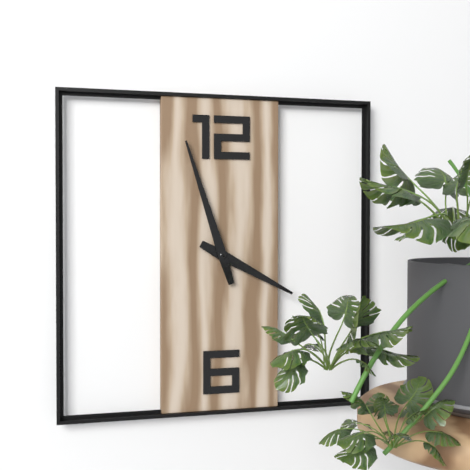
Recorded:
3.57
